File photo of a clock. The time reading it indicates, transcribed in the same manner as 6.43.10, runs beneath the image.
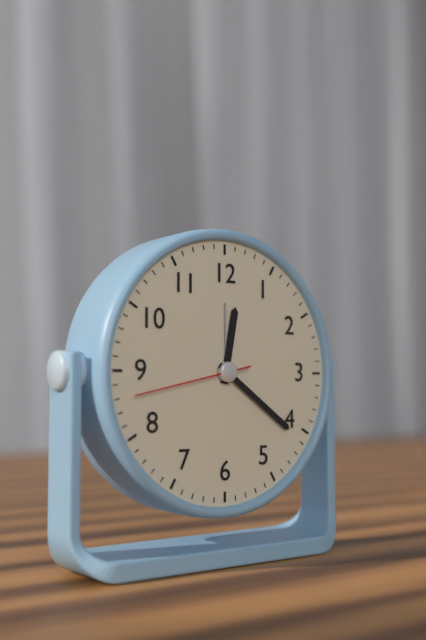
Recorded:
12.21.43
